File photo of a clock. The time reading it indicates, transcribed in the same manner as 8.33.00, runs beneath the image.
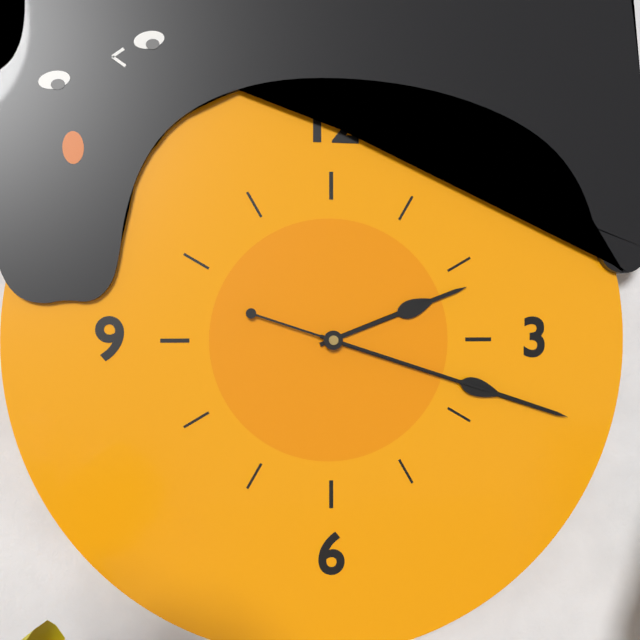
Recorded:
2.18.18
